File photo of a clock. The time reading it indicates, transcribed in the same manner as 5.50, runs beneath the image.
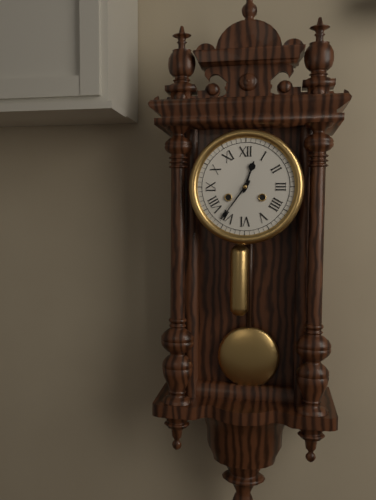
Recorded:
12.36
